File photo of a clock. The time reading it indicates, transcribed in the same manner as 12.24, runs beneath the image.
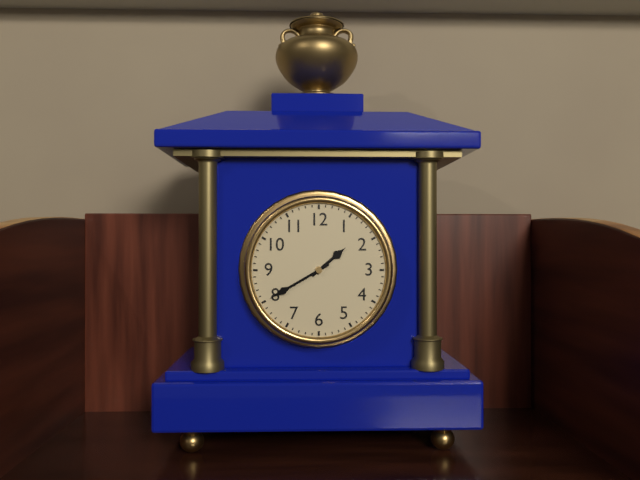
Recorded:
1.40
